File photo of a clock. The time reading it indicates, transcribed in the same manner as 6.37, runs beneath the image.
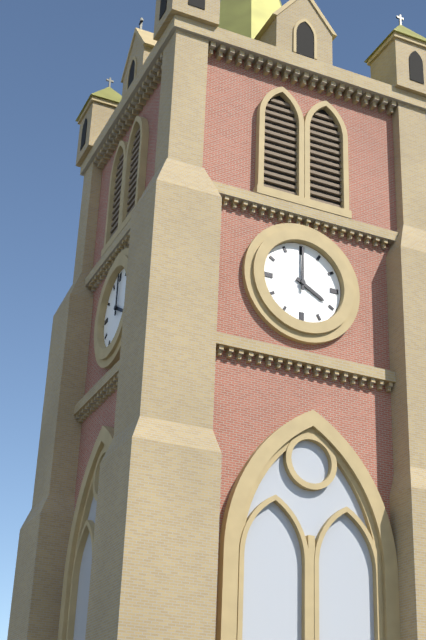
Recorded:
4.00
